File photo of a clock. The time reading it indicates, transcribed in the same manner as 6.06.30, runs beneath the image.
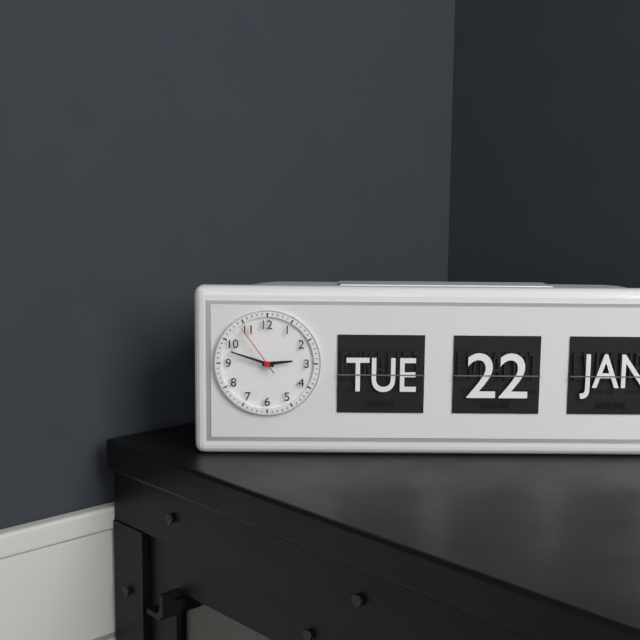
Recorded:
2.48.54
